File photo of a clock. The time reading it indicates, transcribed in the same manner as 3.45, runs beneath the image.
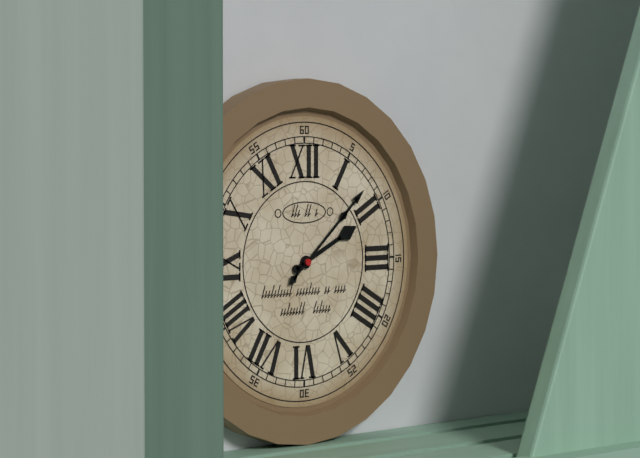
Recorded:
2.08
